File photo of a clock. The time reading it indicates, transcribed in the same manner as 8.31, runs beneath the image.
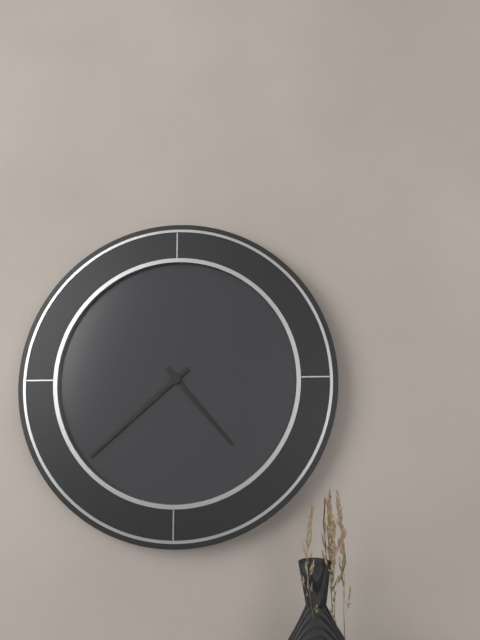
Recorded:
4.38
